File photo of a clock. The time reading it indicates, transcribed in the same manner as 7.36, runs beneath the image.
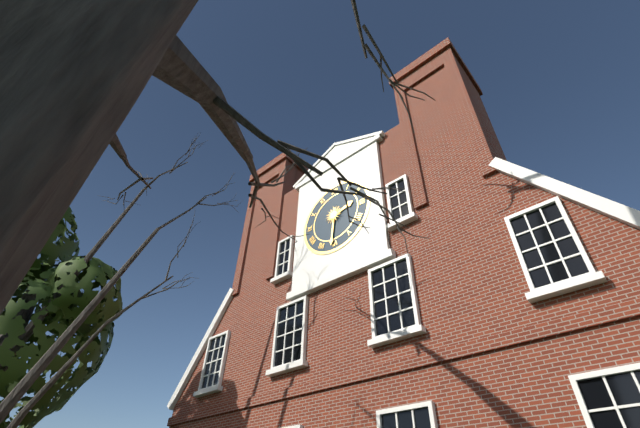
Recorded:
2.31
